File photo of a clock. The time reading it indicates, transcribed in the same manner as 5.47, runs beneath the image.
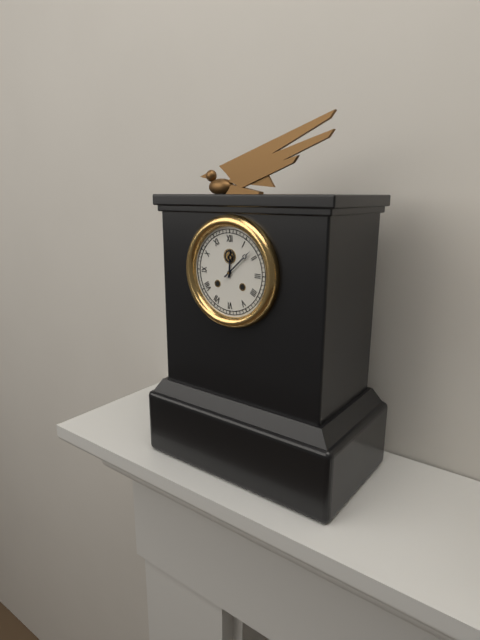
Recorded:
12.08
